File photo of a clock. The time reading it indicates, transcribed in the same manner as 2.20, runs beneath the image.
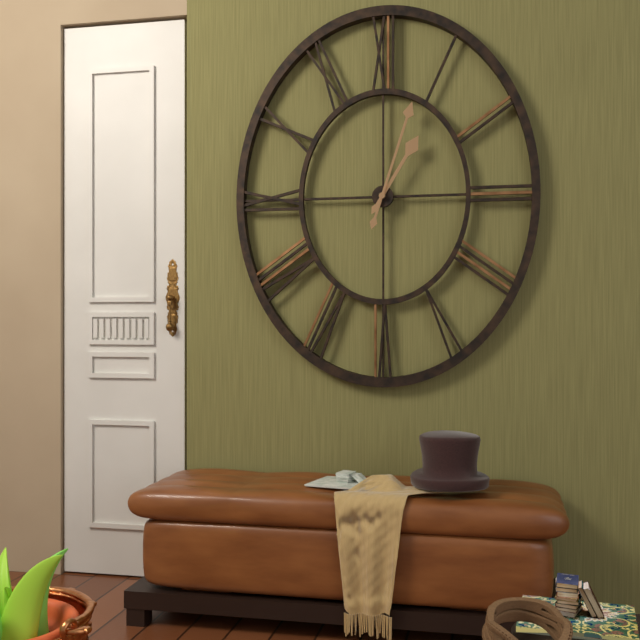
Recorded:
1.03
